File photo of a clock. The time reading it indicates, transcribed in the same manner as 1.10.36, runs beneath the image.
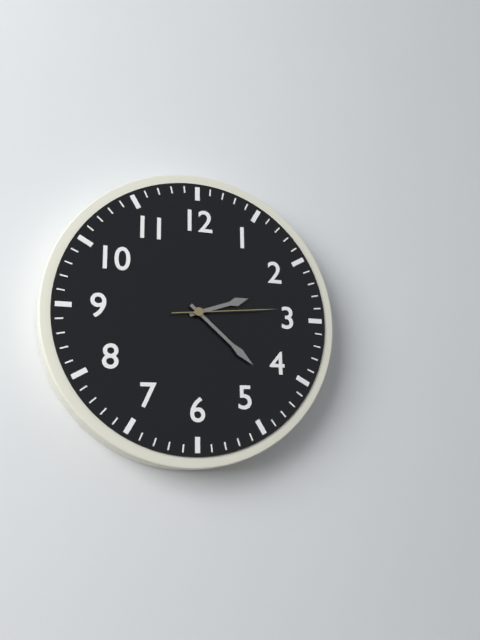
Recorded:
2.22.14
